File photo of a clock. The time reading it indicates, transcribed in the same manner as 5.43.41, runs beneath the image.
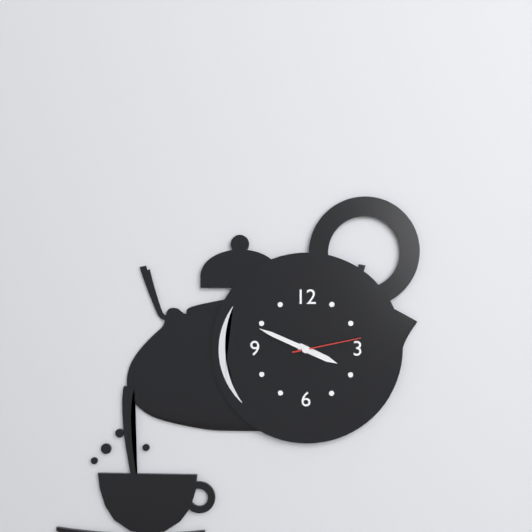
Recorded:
3.49.13
